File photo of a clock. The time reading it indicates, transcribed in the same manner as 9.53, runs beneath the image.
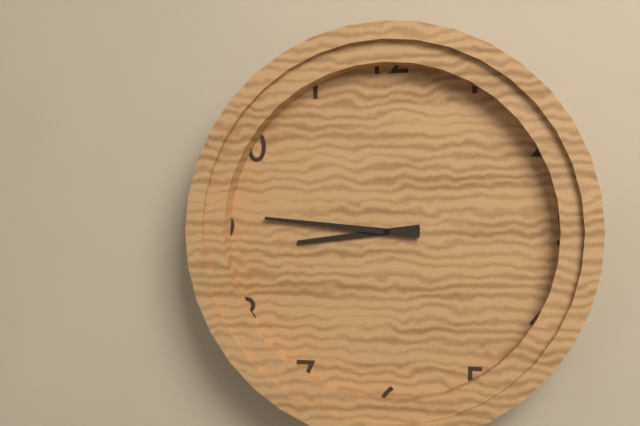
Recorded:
8.46
